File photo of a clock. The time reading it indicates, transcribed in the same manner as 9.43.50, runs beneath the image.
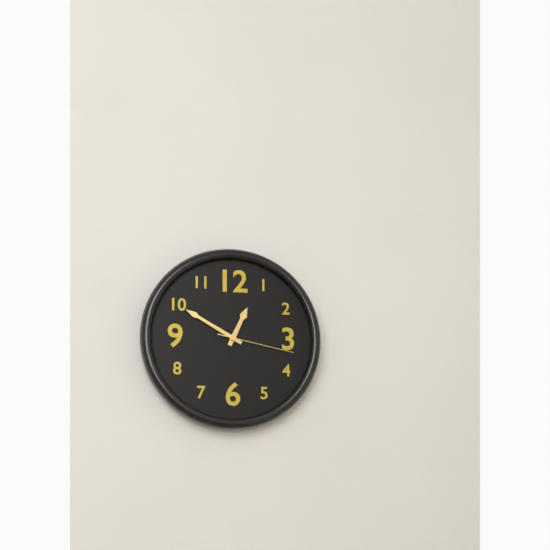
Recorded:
12.50.17
